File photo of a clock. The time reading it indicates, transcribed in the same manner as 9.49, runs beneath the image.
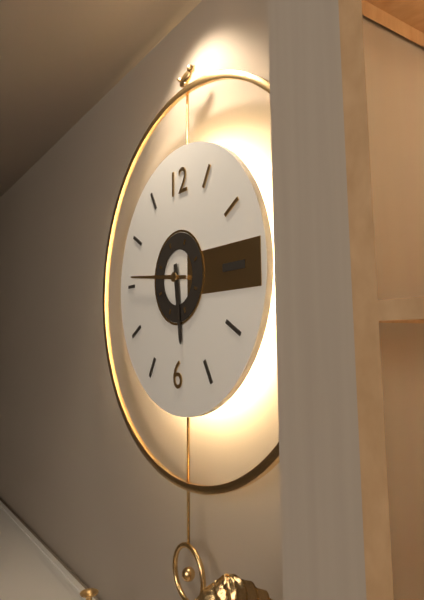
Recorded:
5.46
